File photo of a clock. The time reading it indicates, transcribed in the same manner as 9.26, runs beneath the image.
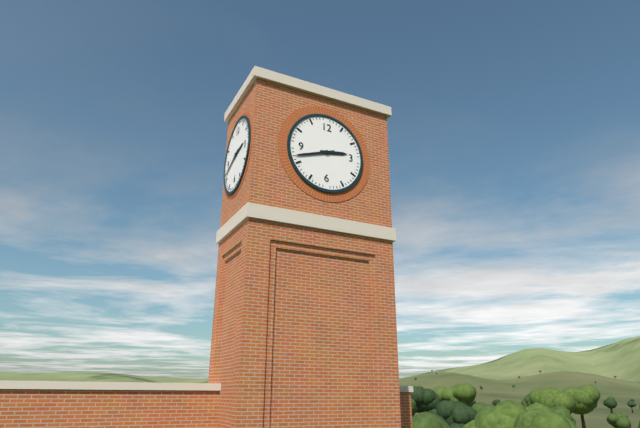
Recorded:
2.42
